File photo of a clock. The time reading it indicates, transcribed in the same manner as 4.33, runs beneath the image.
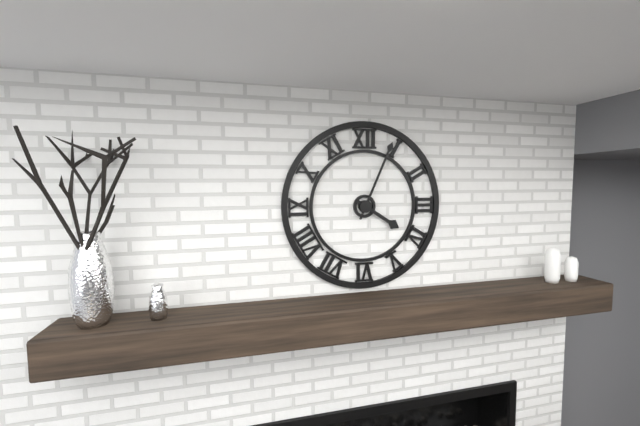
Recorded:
4.04
